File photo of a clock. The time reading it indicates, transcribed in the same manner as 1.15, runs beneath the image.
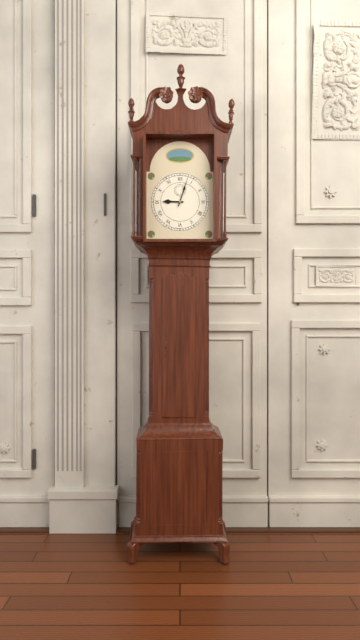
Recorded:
9.03
